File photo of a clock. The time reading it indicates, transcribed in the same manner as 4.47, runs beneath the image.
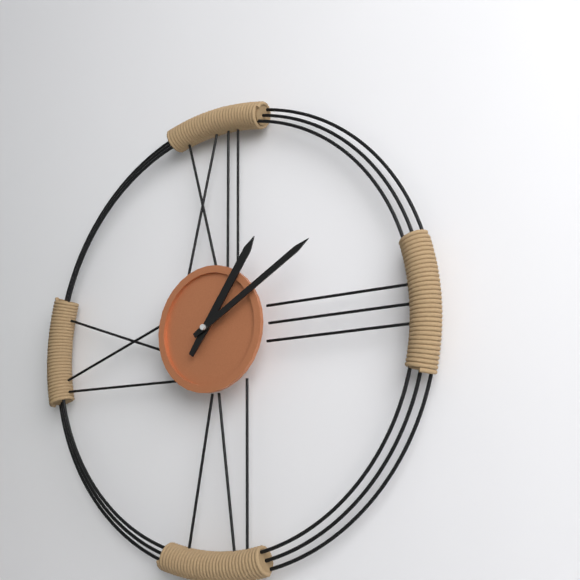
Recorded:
1.10
